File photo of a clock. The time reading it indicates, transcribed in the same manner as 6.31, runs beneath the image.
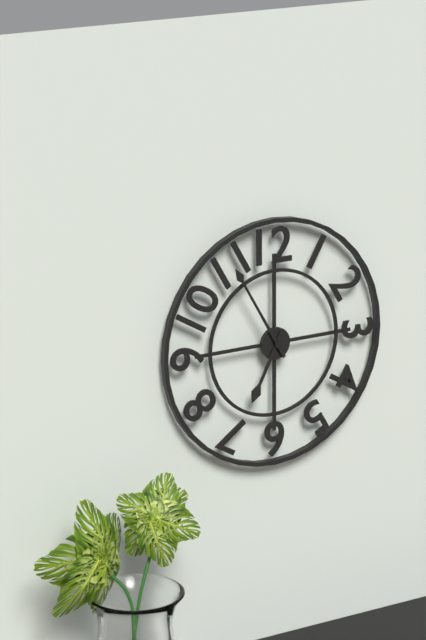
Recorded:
6.55
